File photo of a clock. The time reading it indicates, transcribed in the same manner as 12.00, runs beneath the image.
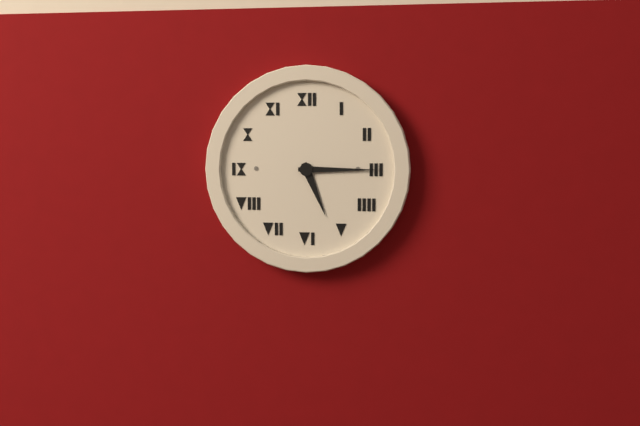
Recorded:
5.15
